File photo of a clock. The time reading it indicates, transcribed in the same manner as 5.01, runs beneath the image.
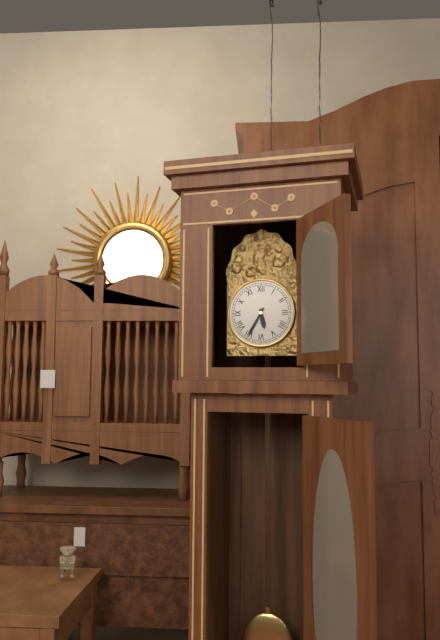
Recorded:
5.35
